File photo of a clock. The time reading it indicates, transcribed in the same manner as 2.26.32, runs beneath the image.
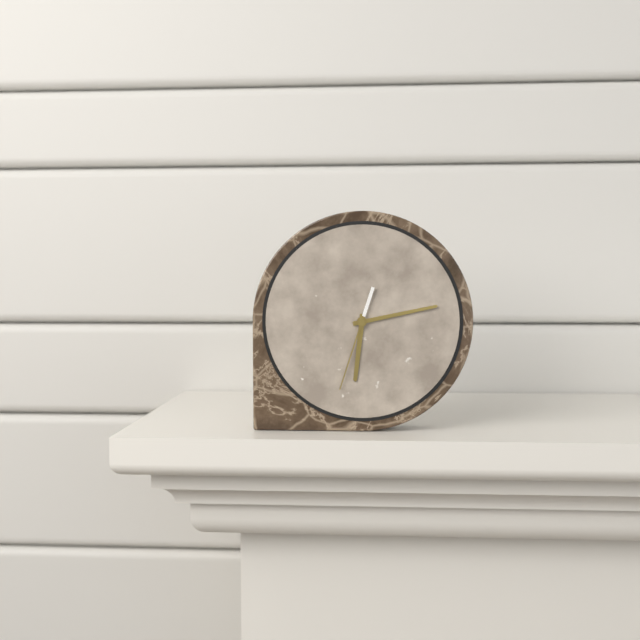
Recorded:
6.13.33
